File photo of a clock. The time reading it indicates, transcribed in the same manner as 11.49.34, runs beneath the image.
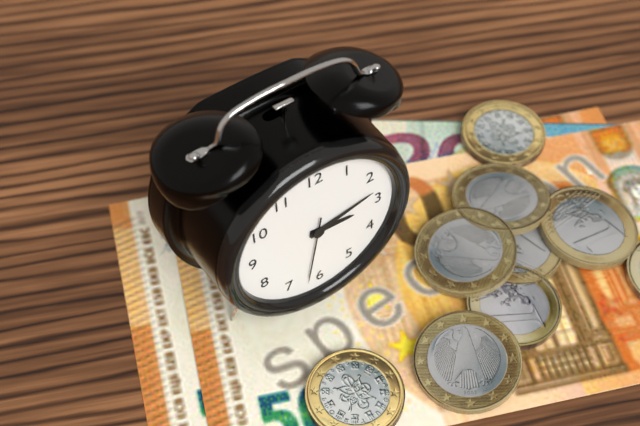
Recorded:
3.13.32
